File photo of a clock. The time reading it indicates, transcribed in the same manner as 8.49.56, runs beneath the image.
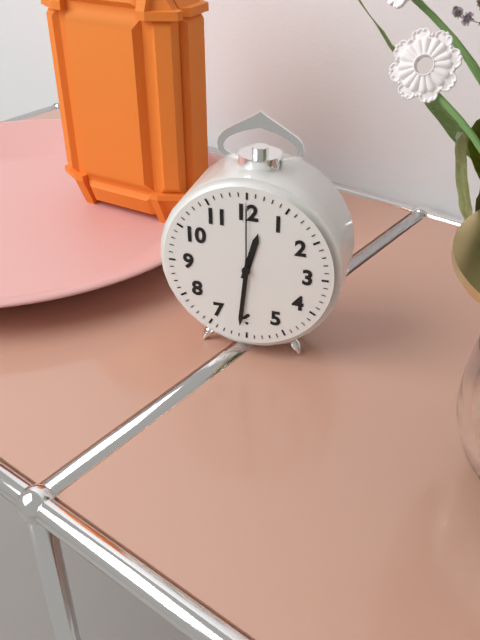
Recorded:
12.31.00
